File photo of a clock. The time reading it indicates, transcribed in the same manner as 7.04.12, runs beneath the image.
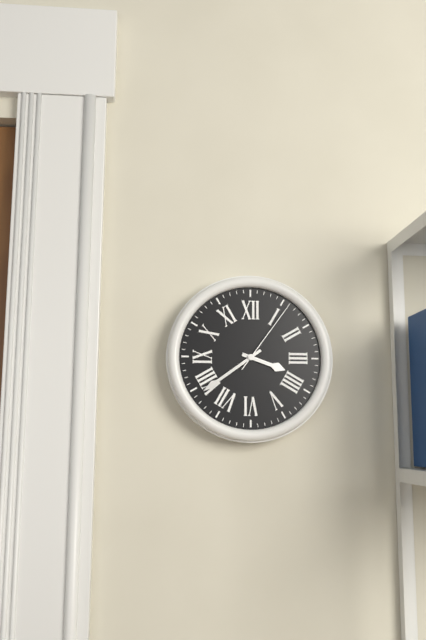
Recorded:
3.39.06
